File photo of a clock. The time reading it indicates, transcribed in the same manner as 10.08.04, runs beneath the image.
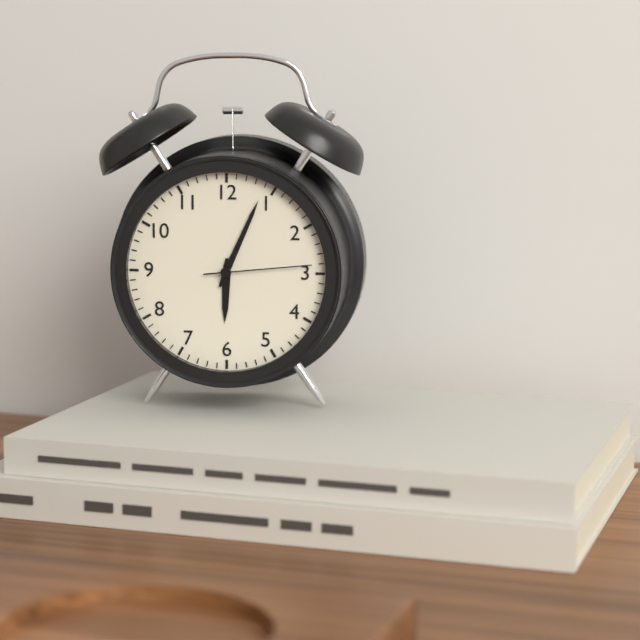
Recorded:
6.04.14
